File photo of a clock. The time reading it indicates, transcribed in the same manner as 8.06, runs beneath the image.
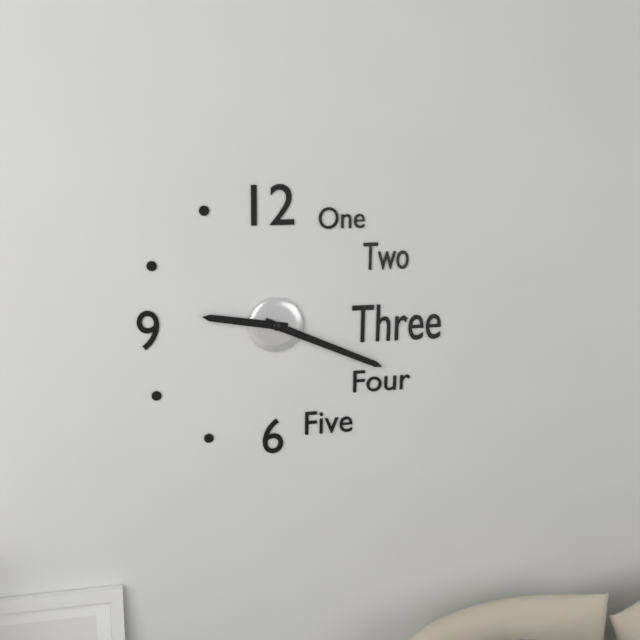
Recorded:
9.19
